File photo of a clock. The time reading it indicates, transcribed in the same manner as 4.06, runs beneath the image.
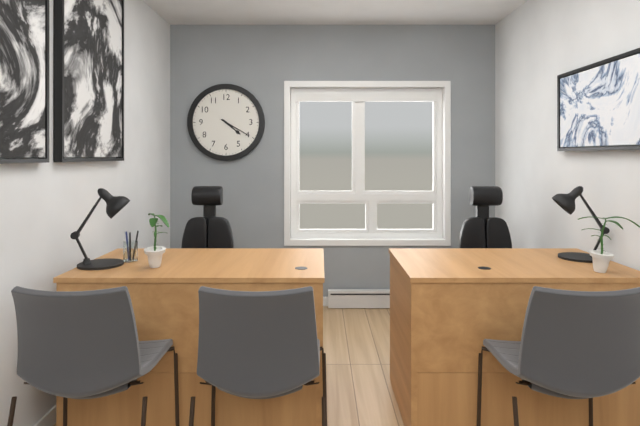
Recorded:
4.20
